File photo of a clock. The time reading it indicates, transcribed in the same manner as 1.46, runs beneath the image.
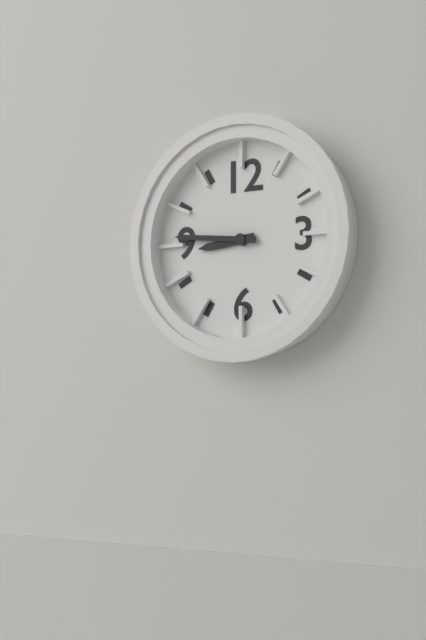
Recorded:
8.46
